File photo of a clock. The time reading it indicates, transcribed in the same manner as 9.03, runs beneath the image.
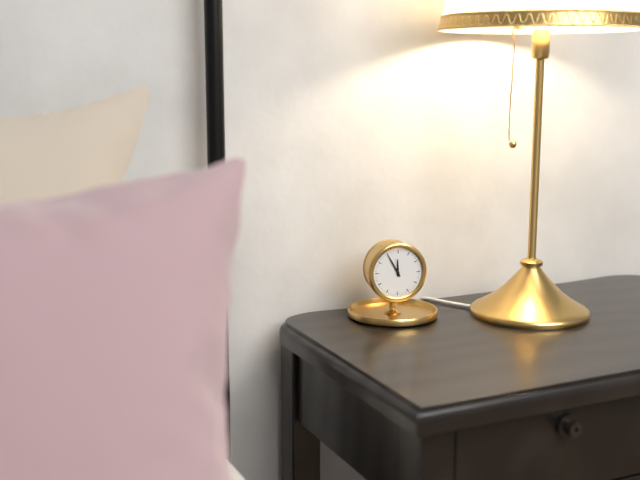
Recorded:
11.55
